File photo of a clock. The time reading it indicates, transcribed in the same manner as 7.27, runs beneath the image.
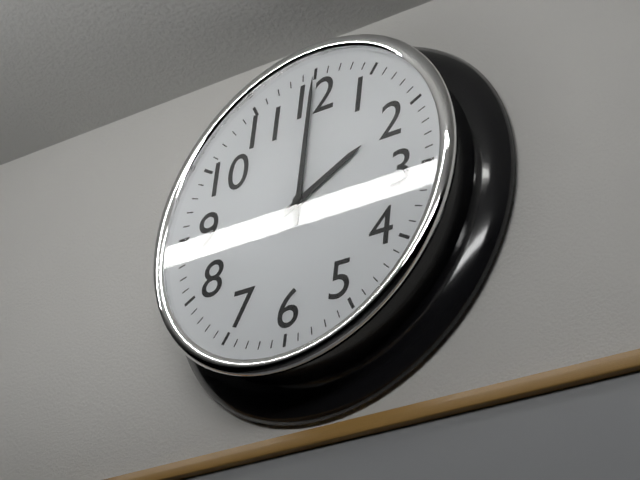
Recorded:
2.00
